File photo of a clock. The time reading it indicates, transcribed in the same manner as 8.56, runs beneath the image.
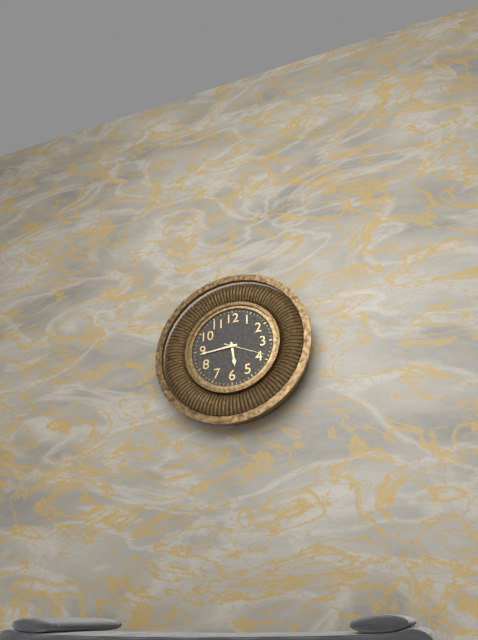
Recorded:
5.44
